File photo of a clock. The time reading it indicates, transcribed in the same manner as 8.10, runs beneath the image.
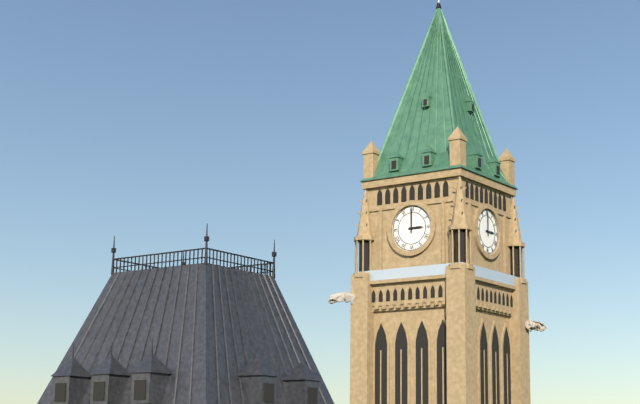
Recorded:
3.00
